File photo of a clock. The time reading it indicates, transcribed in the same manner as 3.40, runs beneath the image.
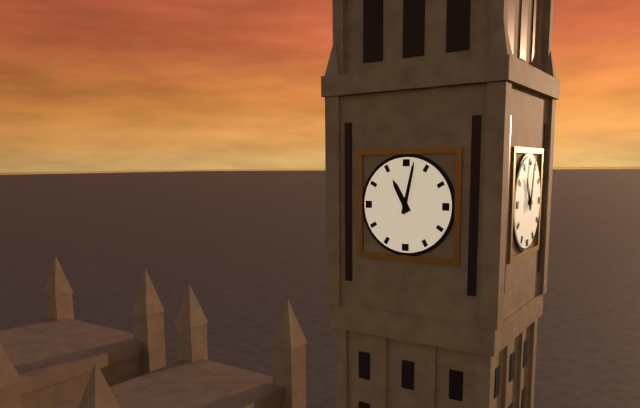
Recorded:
11.02
